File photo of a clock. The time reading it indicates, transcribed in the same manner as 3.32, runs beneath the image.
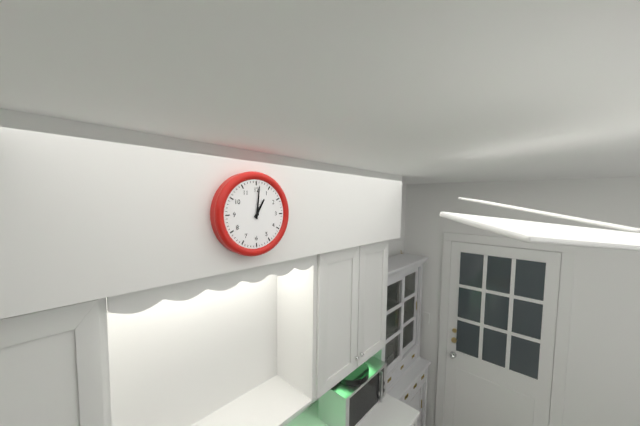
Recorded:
1.01
